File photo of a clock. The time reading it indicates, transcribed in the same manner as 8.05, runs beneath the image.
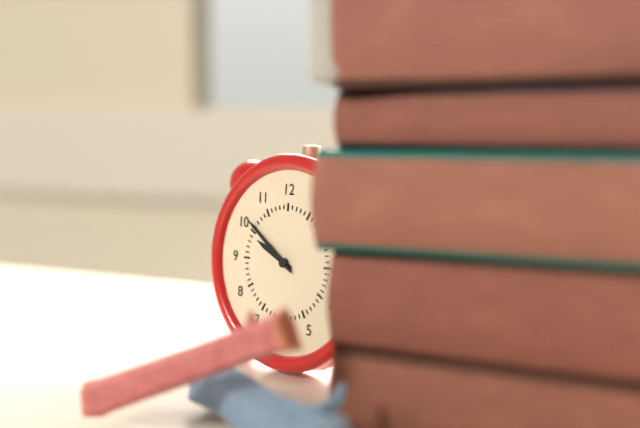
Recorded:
9.51
